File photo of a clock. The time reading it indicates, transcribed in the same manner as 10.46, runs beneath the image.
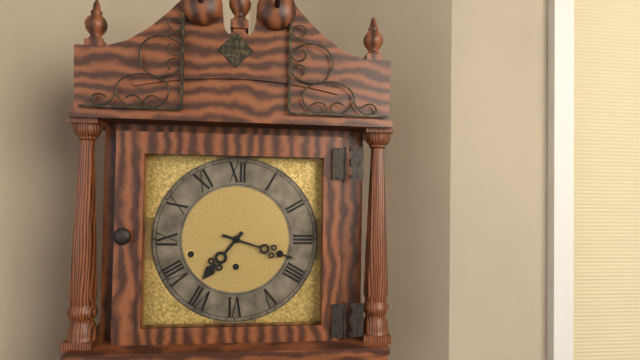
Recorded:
7.18
